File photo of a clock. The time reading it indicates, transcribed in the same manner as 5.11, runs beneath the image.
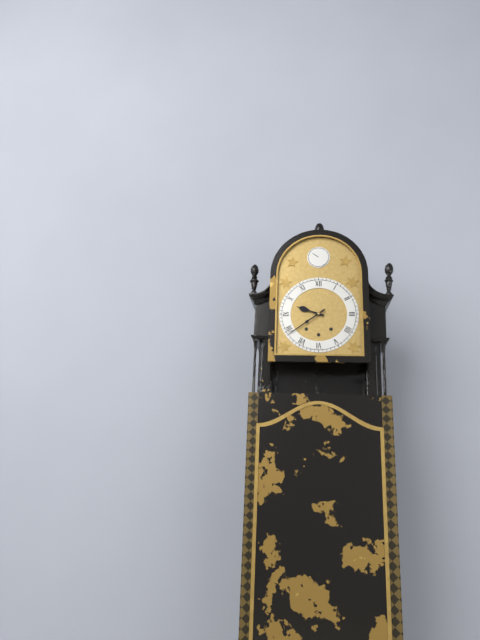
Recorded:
9.39
